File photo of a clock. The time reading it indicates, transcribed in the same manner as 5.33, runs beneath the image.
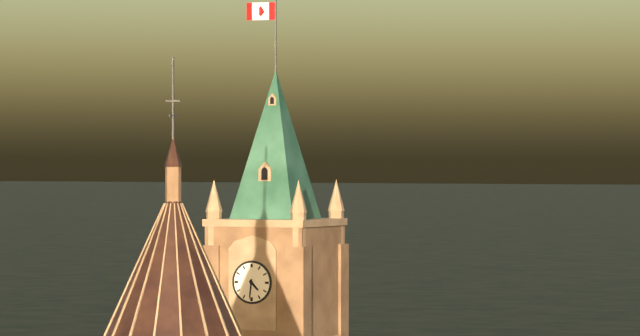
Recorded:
4.31
